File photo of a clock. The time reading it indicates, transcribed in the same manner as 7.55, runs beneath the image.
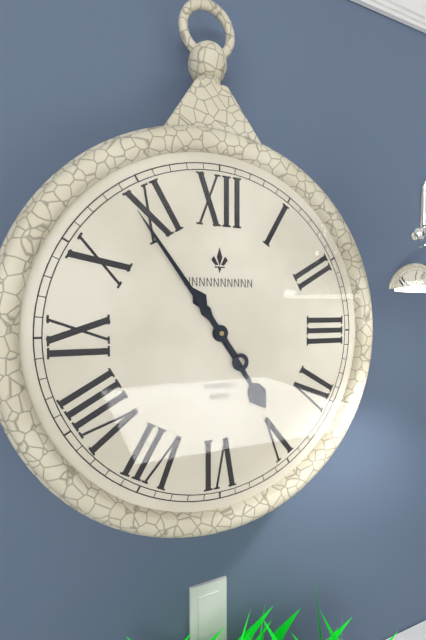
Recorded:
4.54
